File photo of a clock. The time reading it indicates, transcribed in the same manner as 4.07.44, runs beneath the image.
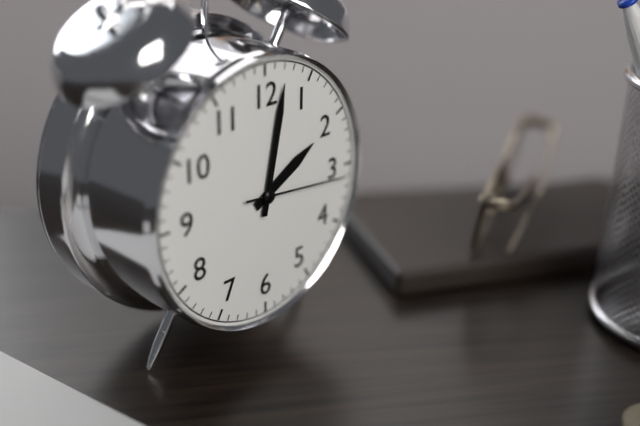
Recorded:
2.02.16
